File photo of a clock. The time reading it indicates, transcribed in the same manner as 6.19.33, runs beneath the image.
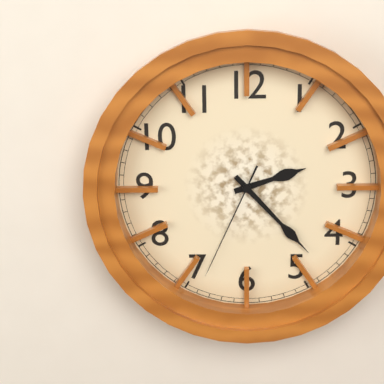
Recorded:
2.23.34
